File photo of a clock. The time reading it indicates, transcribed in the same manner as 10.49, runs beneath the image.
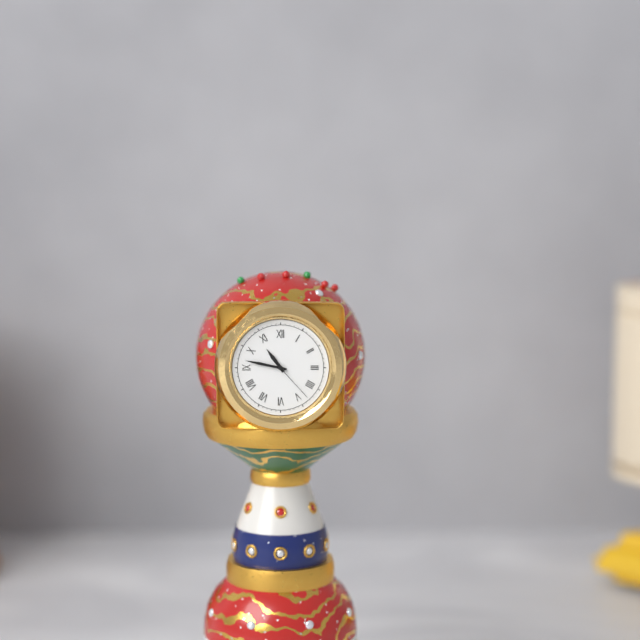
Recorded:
10.47
